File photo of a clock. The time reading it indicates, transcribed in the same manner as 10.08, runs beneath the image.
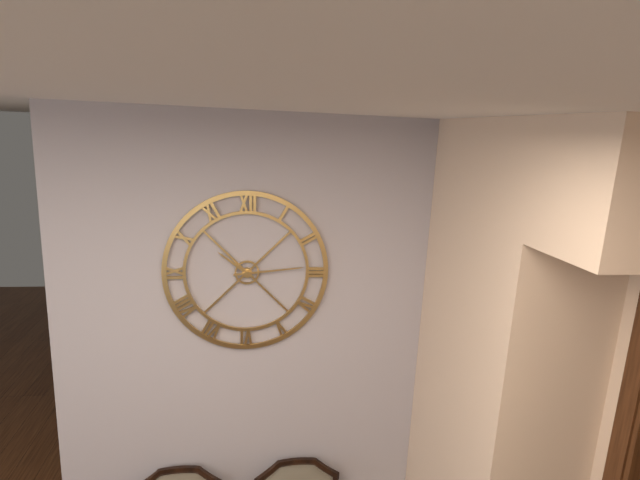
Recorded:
10.14
